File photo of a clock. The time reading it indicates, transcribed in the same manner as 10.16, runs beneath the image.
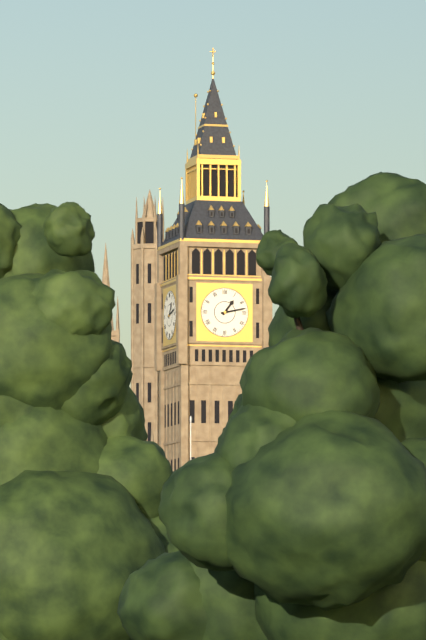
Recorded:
1.13
